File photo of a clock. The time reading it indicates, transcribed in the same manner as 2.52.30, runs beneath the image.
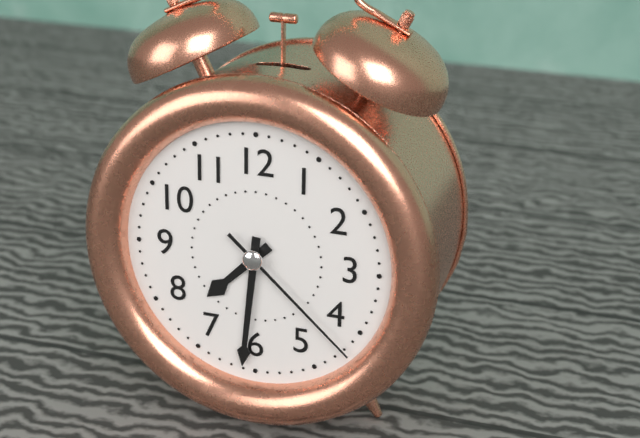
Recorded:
7.31.22
